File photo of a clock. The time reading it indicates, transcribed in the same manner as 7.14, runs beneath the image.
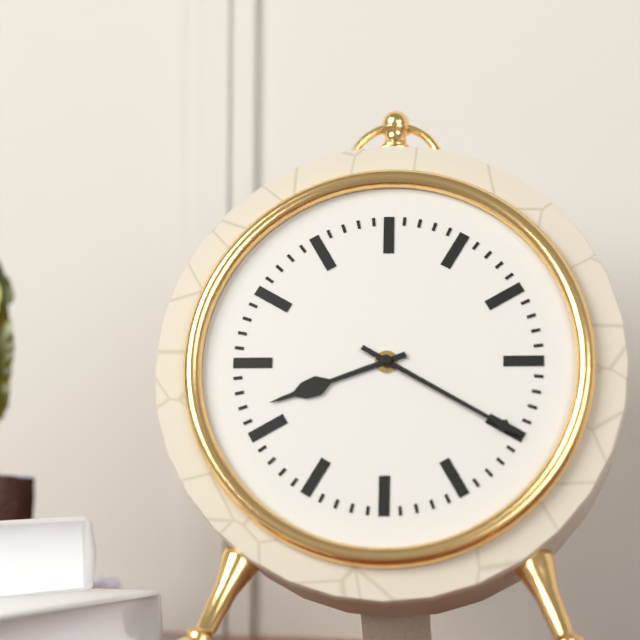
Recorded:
8.20
